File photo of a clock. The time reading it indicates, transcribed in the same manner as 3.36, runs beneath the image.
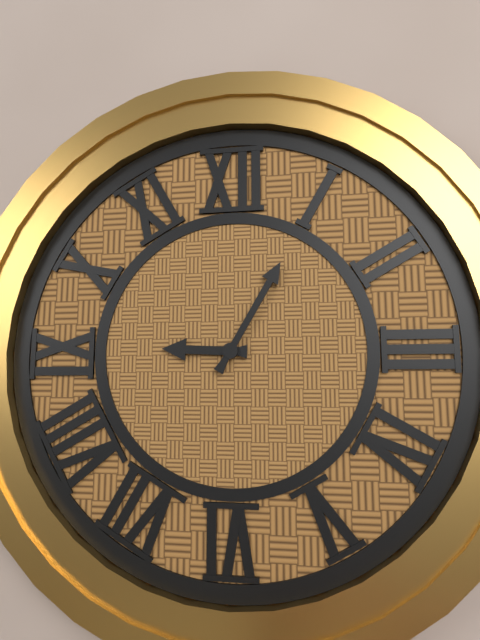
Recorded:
9.05
